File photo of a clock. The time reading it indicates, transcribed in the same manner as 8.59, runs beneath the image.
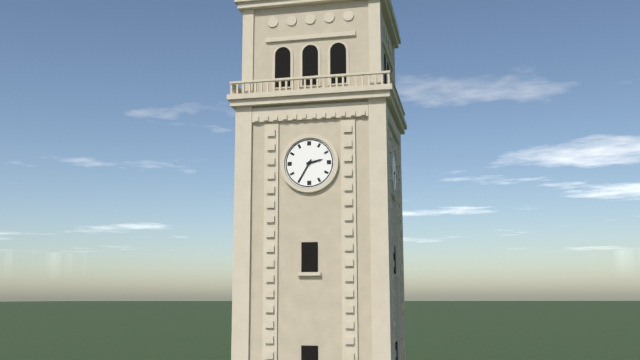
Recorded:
2.35
